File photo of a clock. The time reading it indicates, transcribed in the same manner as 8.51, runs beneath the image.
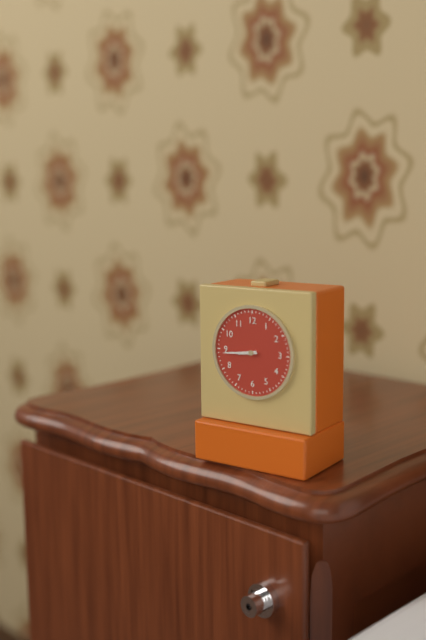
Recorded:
8.44
